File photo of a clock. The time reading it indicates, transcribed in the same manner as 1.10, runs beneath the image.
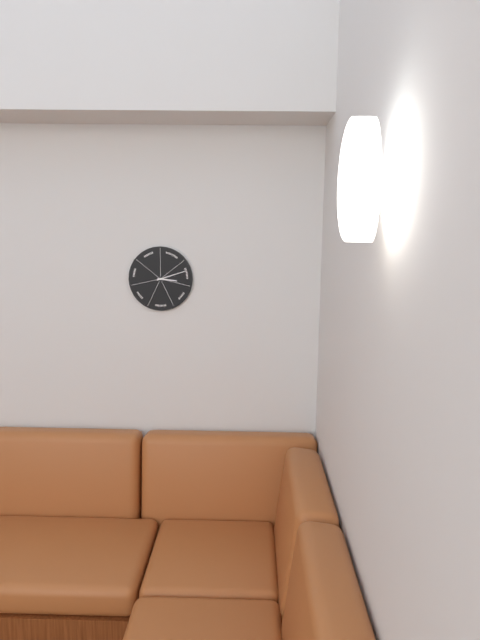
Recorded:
3.12
